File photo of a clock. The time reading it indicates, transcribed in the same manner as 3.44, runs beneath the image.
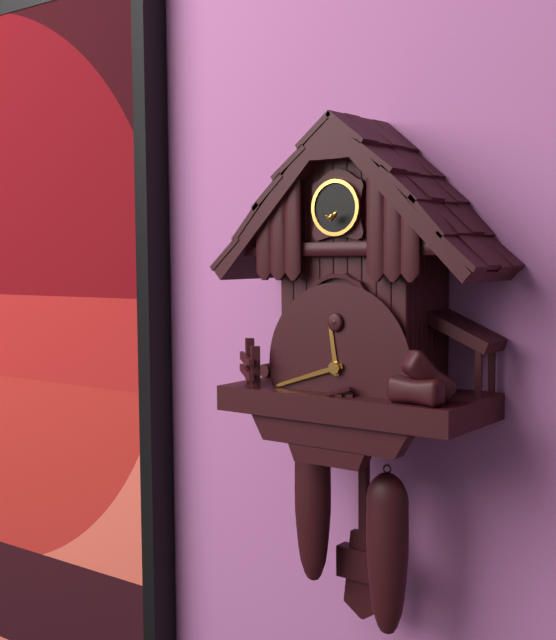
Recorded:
11.42
